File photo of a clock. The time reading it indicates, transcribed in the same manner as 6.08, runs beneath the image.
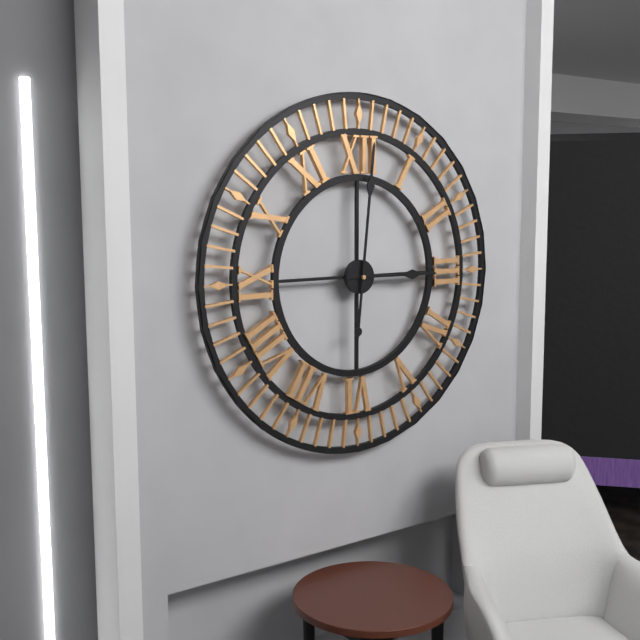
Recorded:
3.01
